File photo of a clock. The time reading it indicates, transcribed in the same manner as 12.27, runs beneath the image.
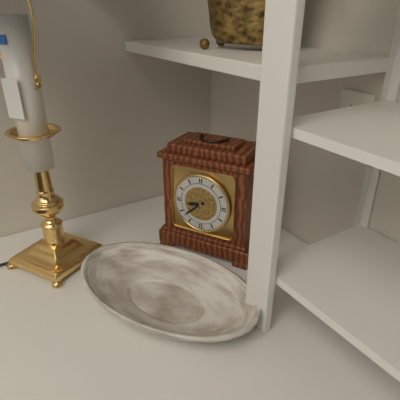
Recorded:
8.38
